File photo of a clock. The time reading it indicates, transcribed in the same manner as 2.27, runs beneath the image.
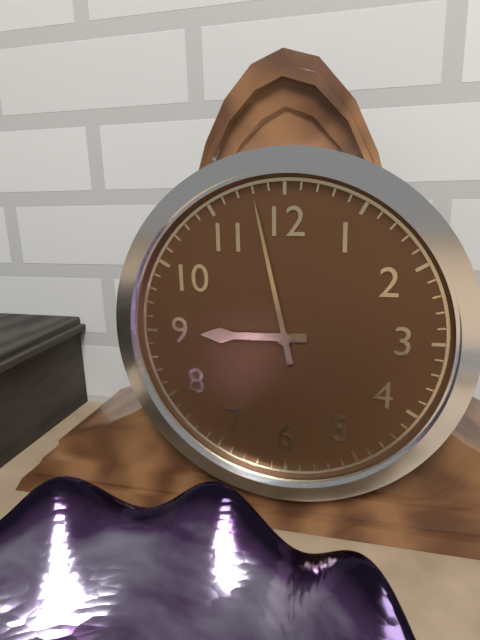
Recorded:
8.58
